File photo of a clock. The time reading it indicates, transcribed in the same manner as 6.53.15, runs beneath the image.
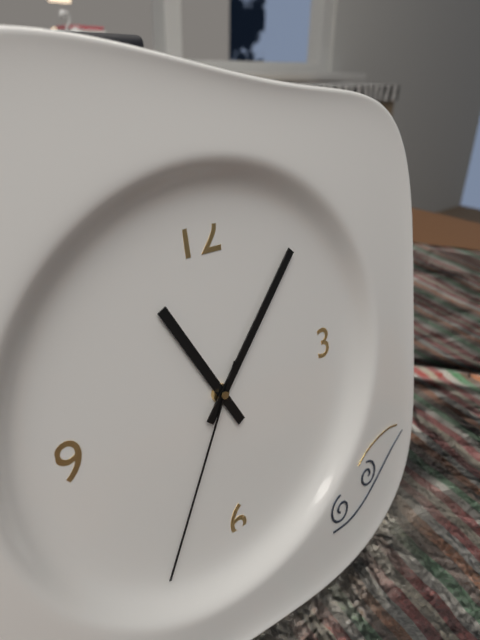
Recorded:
11.07.35
